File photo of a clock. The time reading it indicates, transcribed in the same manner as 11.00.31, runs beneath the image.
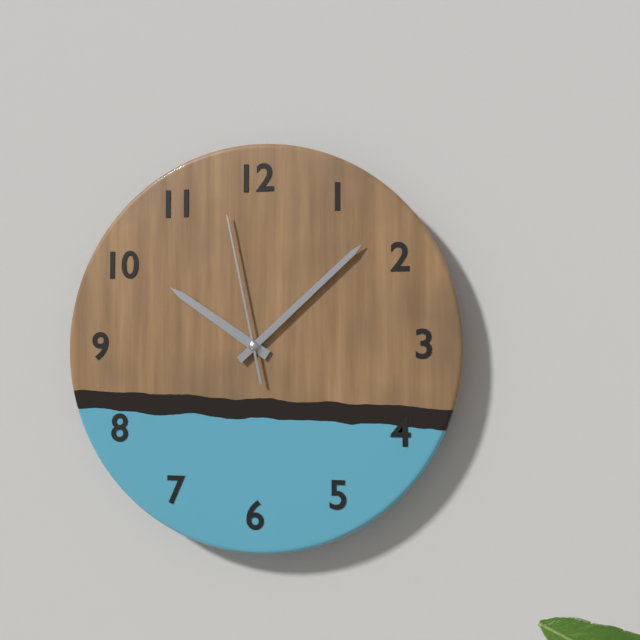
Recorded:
10.08.58
